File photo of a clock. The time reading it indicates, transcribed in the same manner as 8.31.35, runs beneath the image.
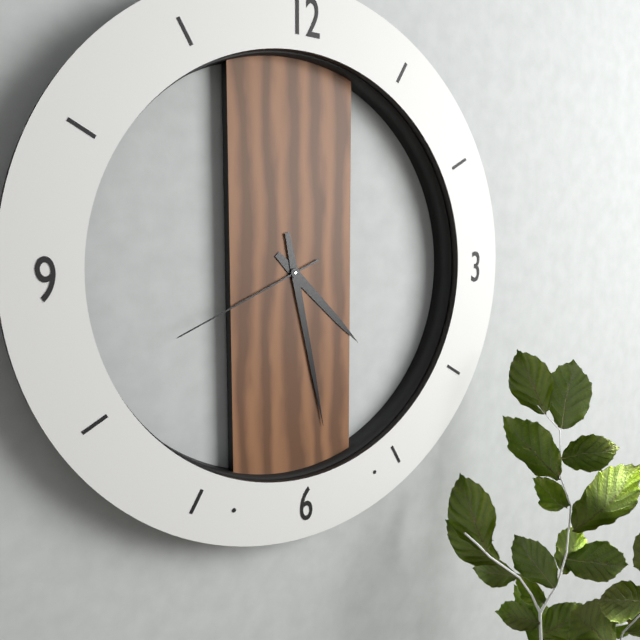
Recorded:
4.28.41
